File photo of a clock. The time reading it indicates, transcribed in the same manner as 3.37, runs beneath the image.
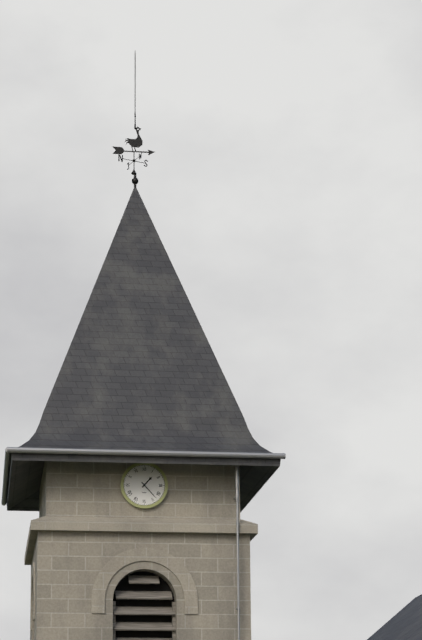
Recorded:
1.23
